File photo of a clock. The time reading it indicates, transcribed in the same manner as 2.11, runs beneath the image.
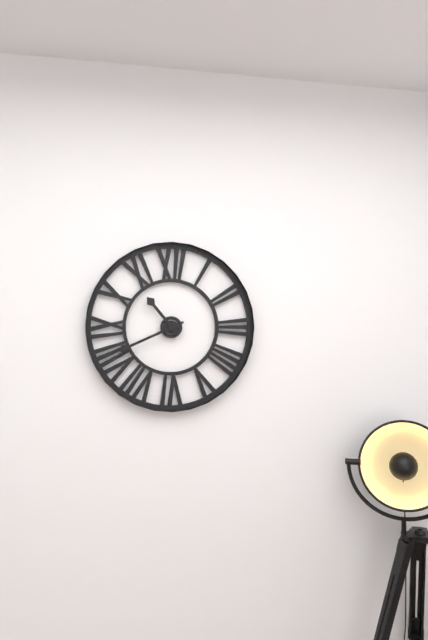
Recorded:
10.41
